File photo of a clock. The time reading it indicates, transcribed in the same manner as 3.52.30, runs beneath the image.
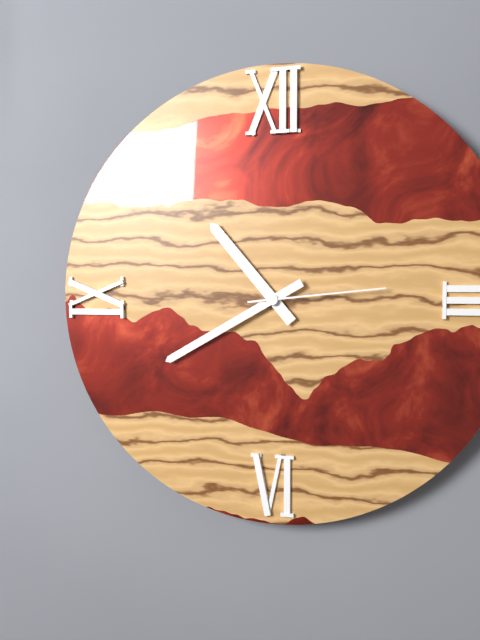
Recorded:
10.40.14
